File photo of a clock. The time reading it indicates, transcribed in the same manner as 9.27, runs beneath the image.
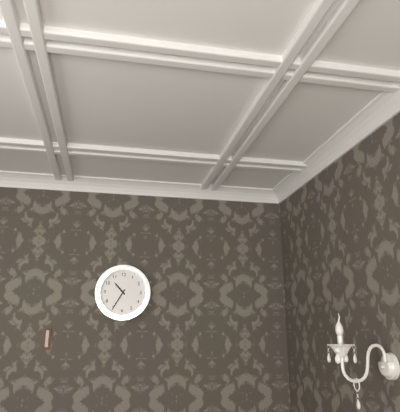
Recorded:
10.35
